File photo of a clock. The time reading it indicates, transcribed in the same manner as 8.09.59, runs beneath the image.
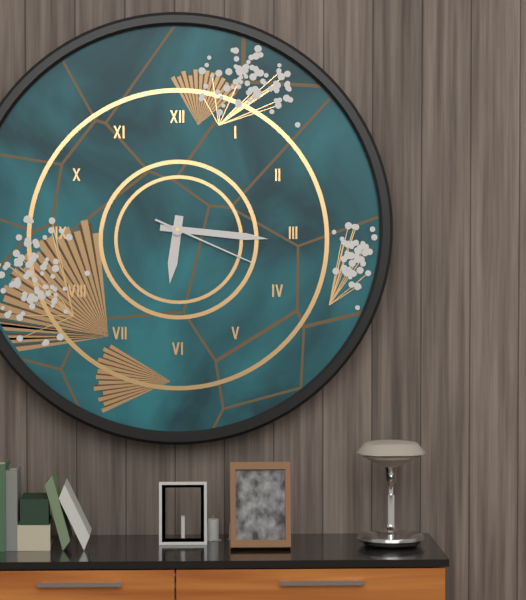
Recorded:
6.16.19
